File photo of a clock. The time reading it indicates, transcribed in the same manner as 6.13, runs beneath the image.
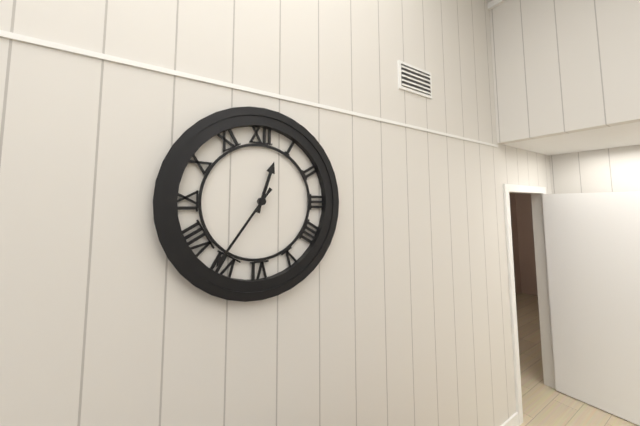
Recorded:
12.36
